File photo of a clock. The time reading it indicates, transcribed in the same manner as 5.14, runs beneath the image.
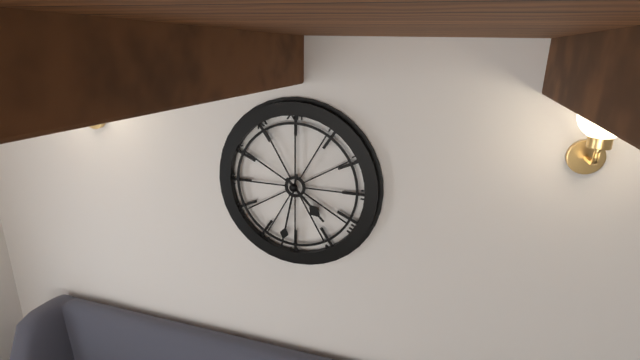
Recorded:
4.32
